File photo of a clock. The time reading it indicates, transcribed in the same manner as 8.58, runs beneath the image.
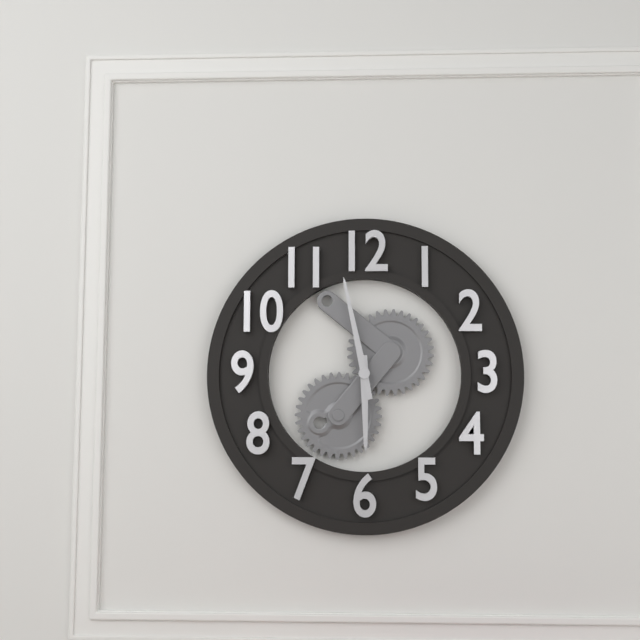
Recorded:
5.58
